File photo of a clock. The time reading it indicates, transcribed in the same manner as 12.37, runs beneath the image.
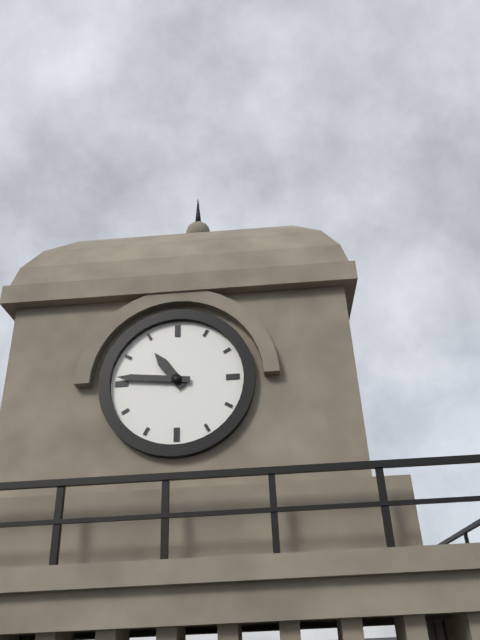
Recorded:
10.46
